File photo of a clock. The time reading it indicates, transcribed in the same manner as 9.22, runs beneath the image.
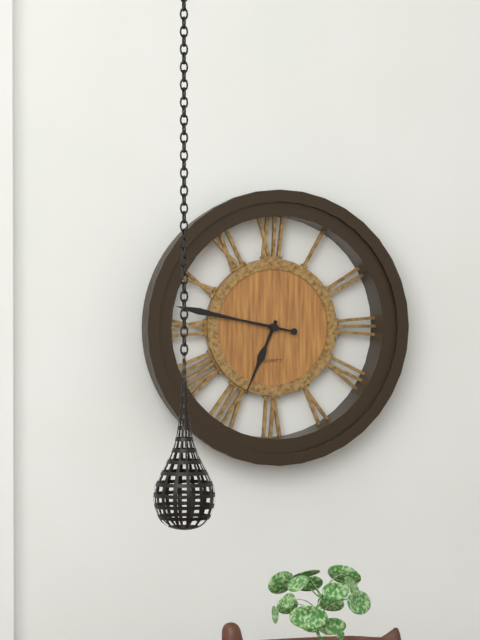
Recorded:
6.47
